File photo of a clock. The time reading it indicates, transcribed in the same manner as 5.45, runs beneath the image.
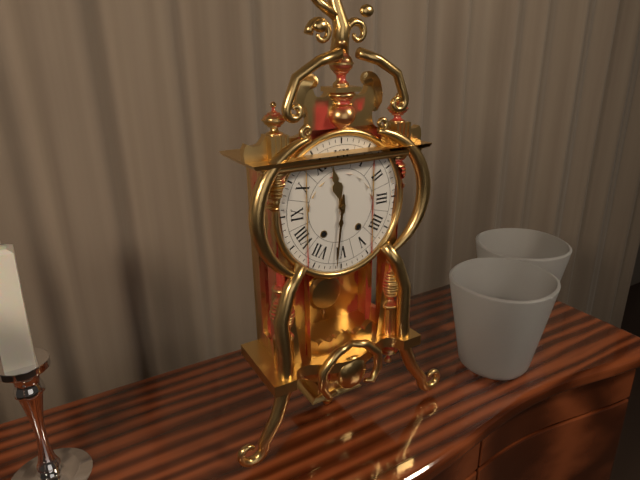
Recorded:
11.31
